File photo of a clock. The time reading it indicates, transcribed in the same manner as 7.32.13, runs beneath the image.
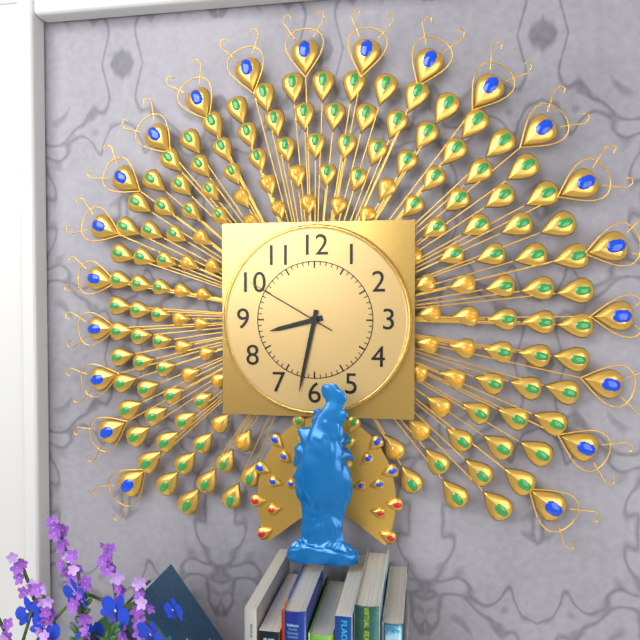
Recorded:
8.32.50
